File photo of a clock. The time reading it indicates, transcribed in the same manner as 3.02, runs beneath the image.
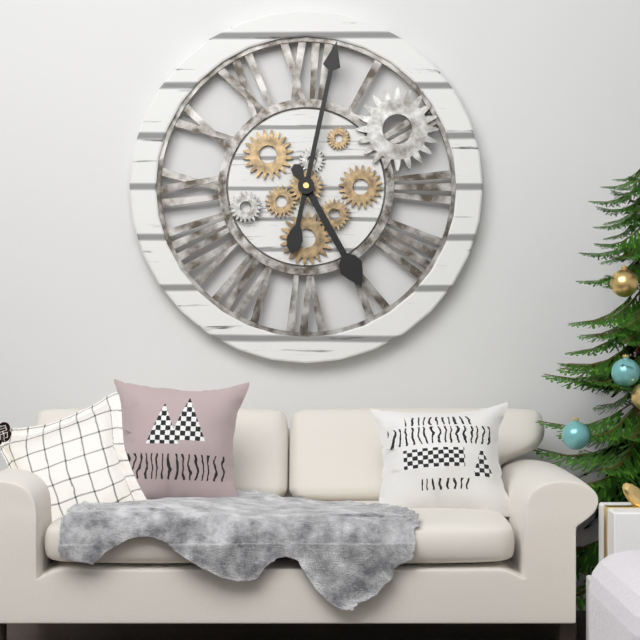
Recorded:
5.02
